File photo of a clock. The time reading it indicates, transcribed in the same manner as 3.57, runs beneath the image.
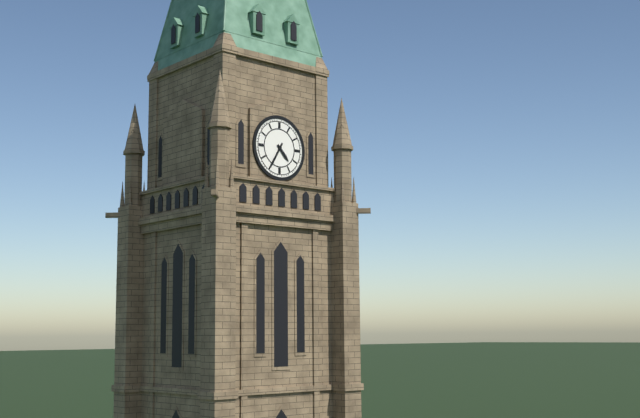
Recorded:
4.35
